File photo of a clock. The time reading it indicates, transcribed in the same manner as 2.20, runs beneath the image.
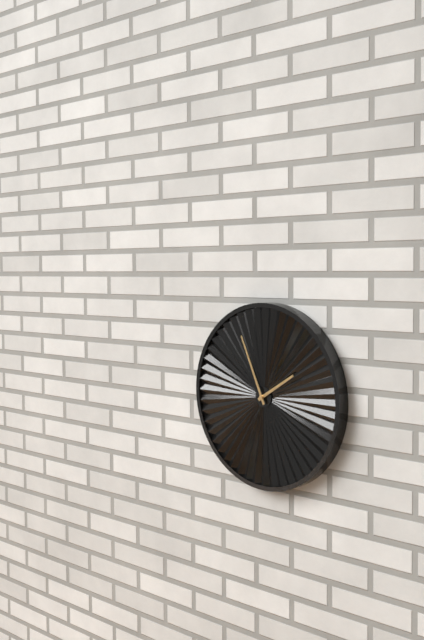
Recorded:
1.56
